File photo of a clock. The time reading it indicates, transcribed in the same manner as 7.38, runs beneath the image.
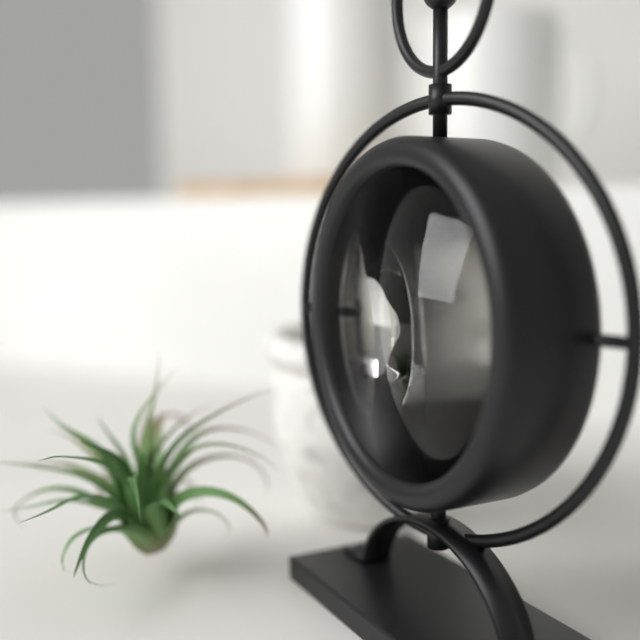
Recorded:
10.58
